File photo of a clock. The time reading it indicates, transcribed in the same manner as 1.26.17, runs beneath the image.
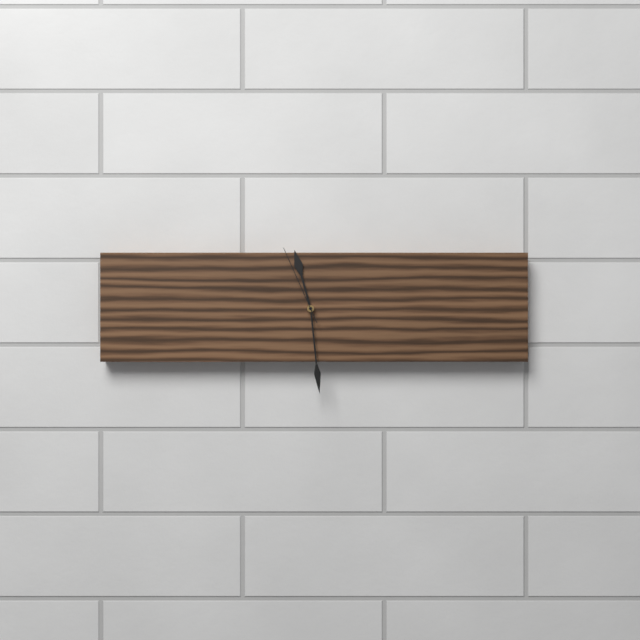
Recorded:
11.29.56
